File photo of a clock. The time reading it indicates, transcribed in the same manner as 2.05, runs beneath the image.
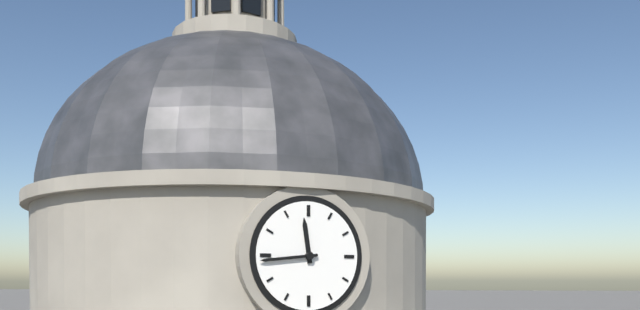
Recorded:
11.44
